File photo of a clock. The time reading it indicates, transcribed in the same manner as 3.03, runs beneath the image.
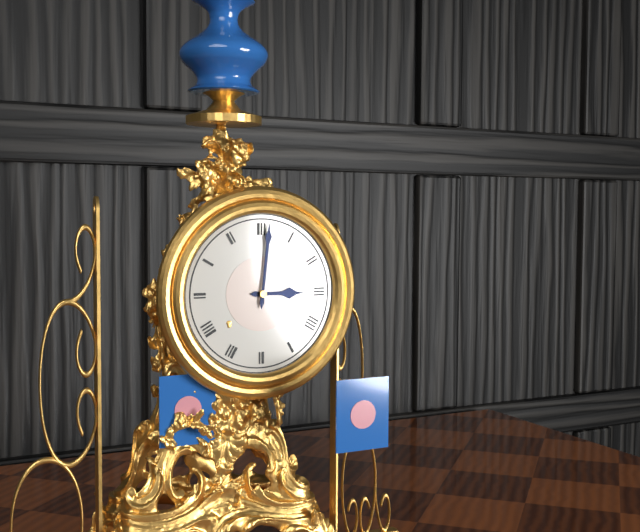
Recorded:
3.01
